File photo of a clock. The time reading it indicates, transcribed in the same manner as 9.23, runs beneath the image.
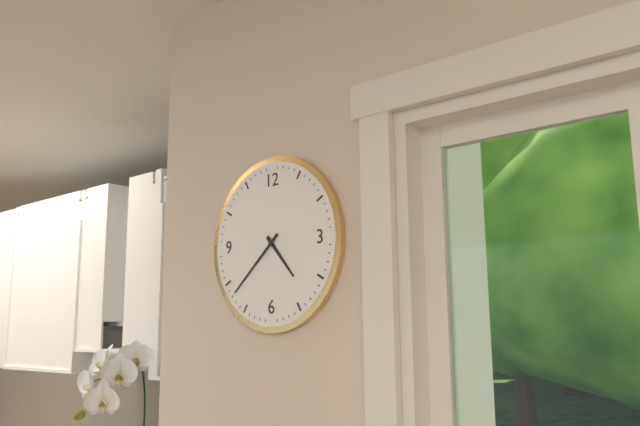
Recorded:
4.38
